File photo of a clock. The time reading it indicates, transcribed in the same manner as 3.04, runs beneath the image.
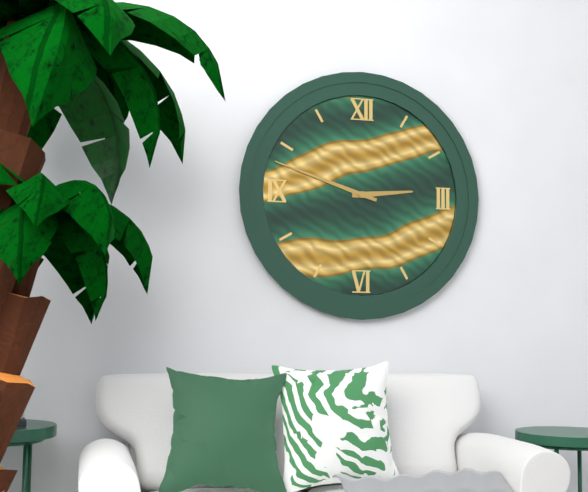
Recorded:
2.48
